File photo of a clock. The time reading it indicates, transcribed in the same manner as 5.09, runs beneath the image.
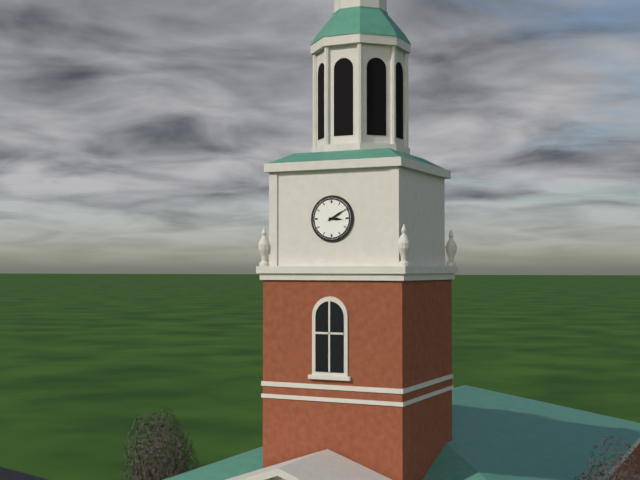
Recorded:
3.10
